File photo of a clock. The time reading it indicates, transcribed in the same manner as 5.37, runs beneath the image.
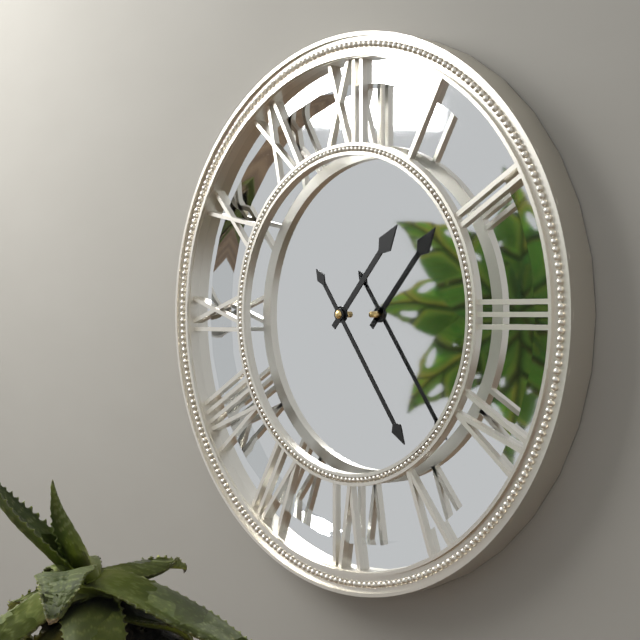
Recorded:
1.24
